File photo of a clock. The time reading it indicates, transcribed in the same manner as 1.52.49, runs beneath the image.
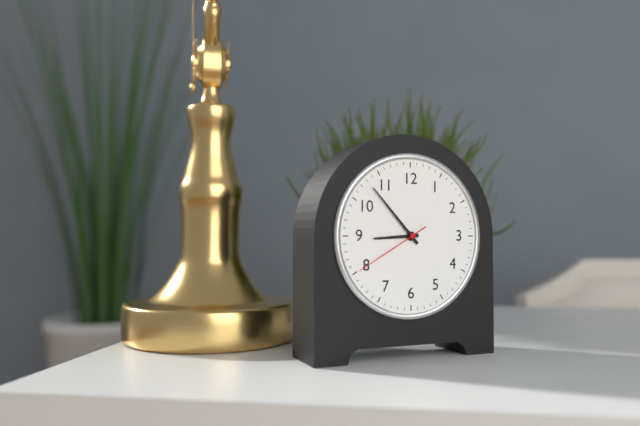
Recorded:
8.53.40
